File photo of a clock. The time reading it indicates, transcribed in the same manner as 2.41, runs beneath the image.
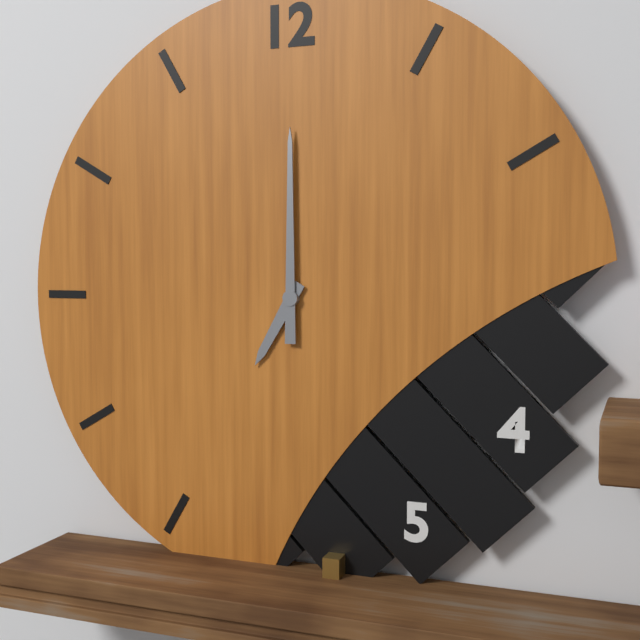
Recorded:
7.00
